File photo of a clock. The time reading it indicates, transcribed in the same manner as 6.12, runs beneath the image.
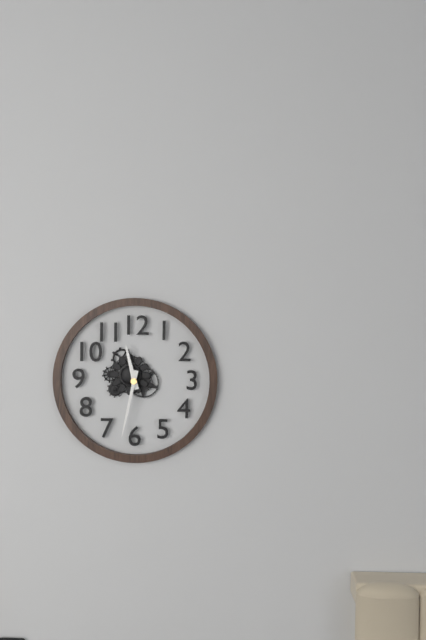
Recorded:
11.32
